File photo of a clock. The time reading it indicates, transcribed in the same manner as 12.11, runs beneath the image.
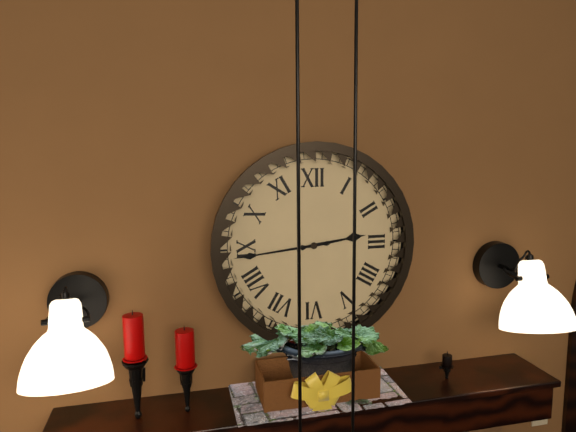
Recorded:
2.44
